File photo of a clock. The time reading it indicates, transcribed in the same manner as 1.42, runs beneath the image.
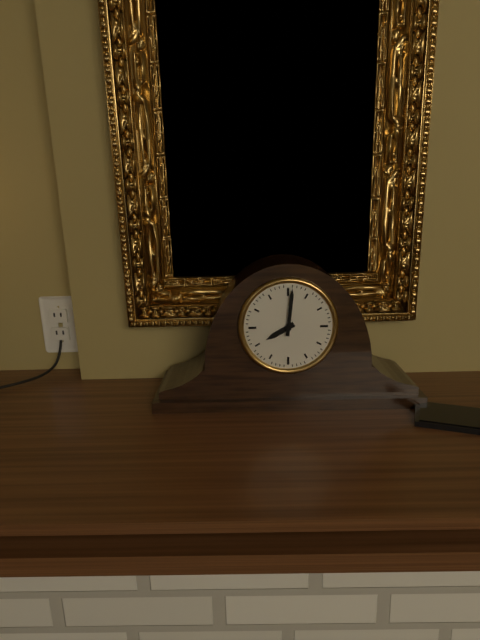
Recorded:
8.01
